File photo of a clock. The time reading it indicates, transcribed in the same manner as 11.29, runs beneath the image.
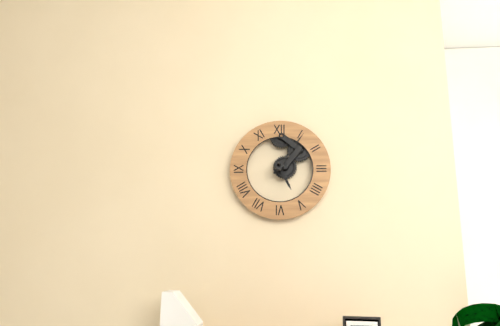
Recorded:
5.06
